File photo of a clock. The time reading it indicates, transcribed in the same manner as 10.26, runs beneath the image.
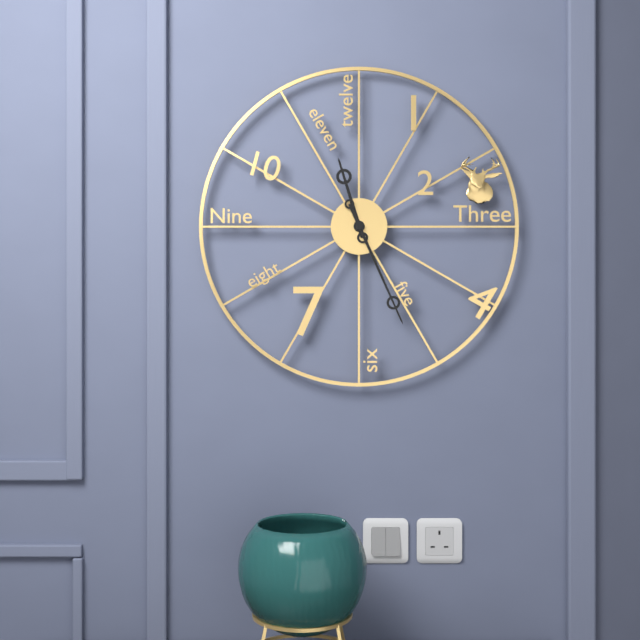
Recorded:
11.26
